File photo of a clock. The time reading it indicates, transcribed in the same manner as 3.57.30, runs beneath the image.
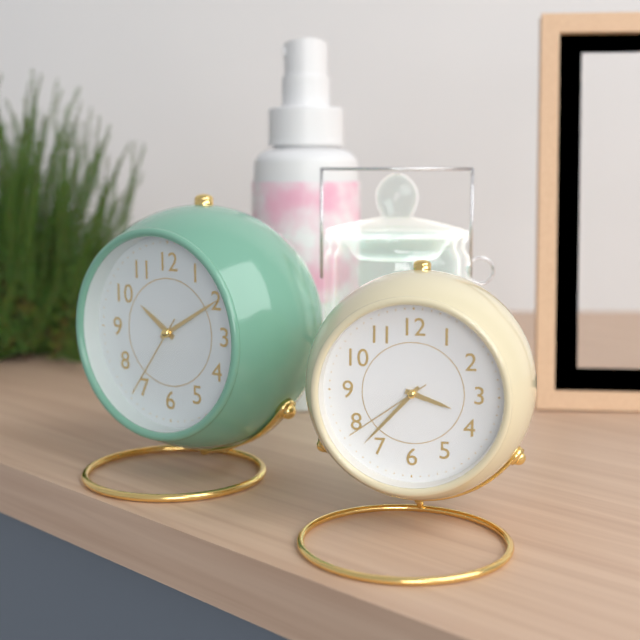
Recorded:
3.37.39
